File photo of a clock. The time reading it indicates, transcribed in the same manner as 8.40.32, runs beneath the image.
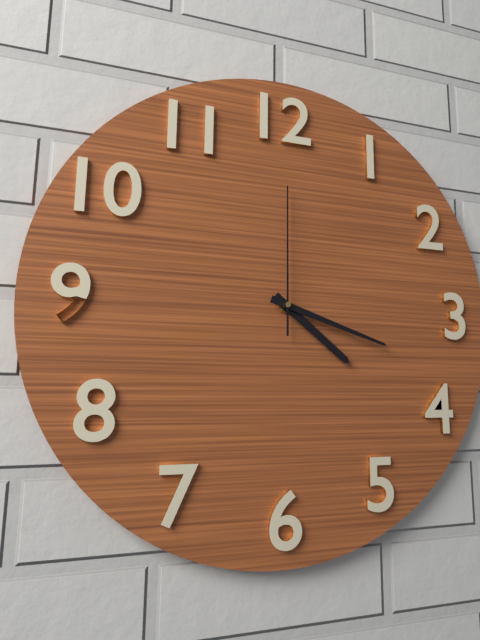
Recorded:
4.18.00
